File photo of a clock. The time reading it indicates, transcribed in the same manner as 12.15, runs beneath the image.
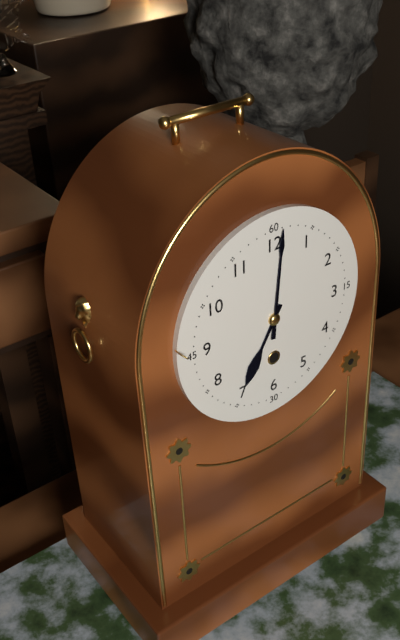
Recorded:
7.01
